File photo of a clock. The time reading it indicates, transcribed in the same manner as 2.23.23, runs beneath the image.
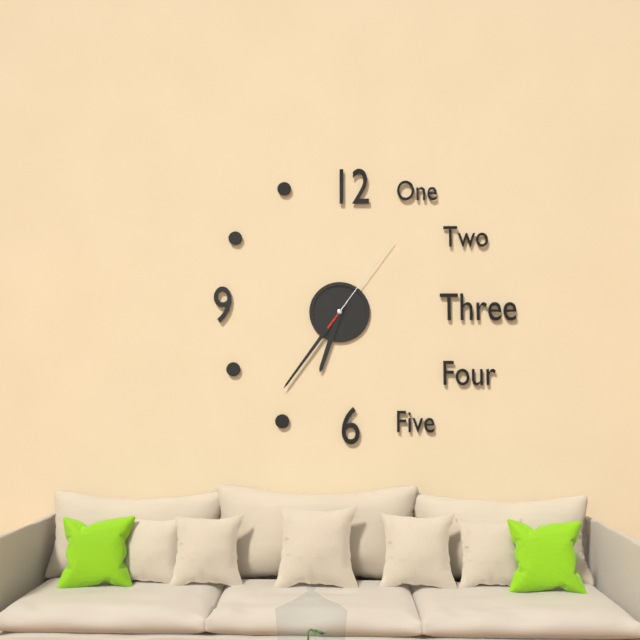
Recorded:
6.36.06
